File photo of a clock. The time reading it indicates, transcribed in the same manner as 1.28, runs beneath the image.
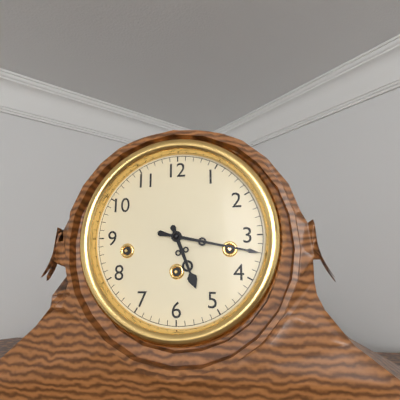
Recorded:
5.17
